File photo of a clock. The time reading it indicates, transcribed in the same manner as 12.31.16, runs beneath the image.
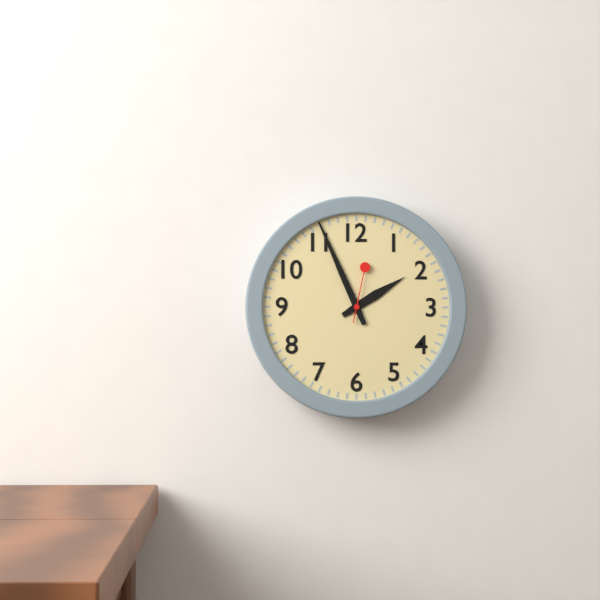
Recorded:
1.56.02
